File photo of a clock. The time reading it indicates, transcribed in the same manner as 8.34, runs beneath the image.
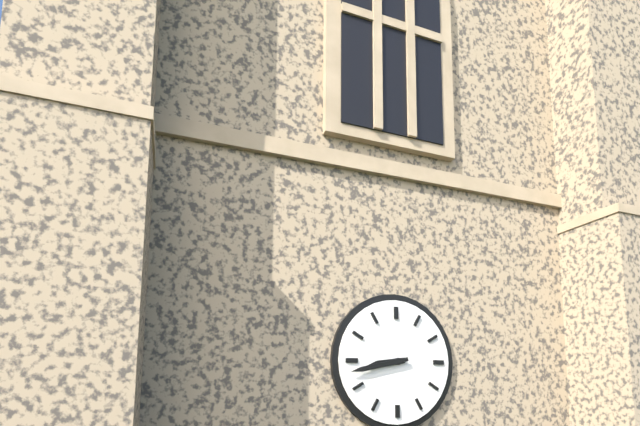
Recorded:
8.43
